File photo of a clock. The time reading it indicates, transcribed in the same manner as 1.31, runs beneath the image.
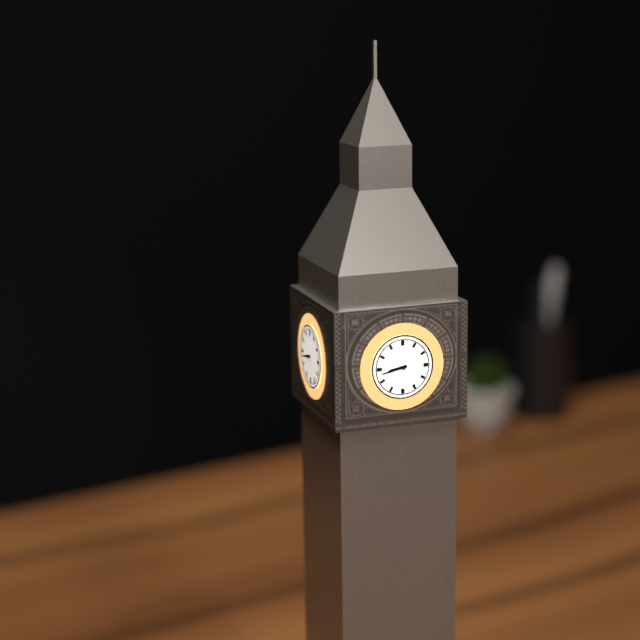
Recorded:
8.43
